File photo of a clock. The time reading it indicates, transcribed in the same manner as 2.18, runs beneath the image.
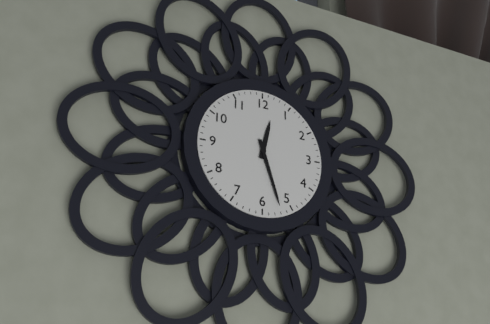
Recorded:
12.27
